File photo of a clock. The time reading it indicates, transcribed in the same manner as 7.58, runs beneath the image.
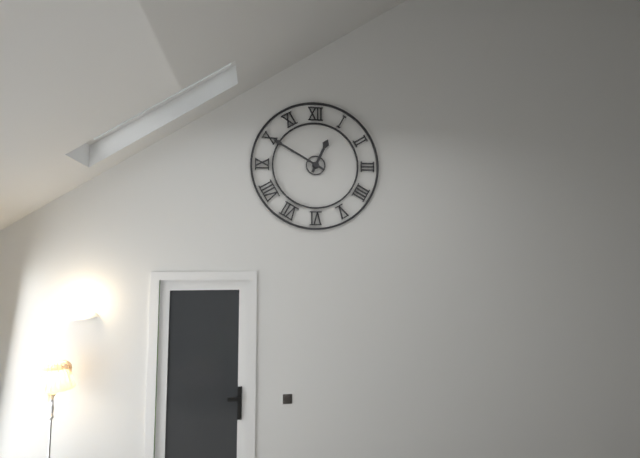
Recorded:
12.50
